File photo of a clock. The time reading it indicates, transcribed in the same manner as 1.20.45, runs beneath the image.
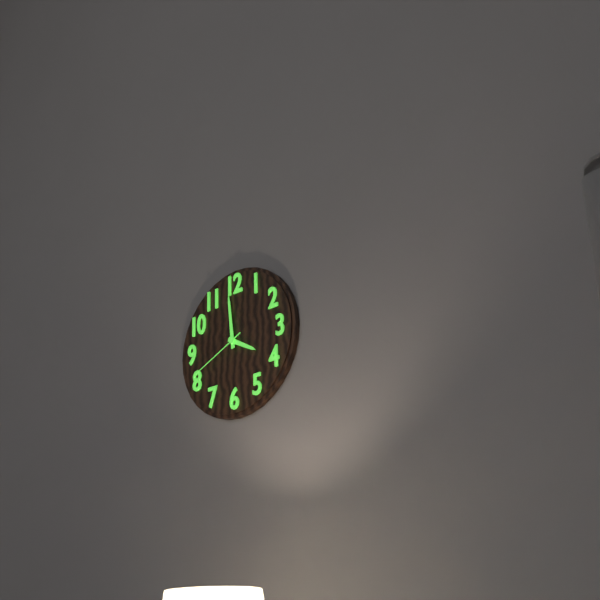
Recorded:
3.59.41
